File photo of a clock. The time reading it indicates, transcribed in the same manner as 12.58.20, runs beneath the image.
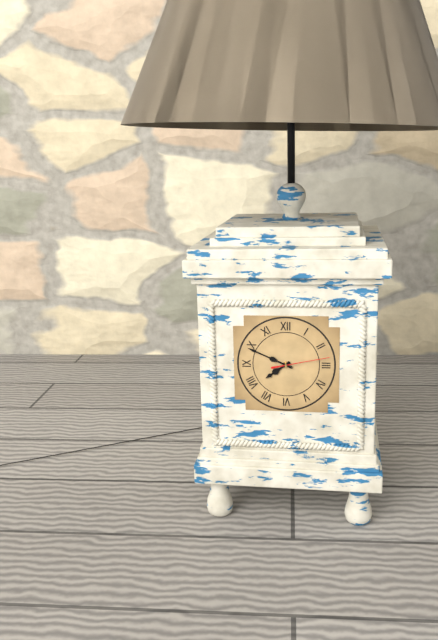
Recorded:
7.49.13
